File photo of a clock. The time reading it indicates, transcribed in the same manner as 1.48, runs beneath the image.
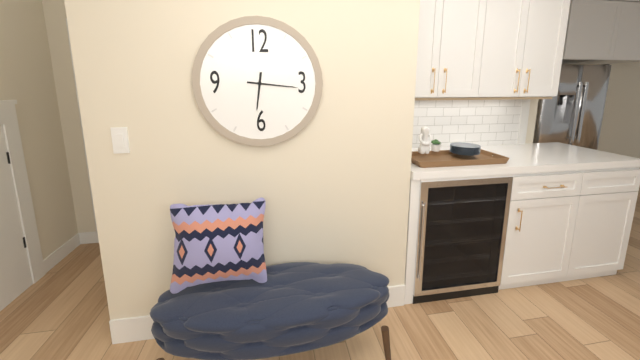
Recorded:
6.16
